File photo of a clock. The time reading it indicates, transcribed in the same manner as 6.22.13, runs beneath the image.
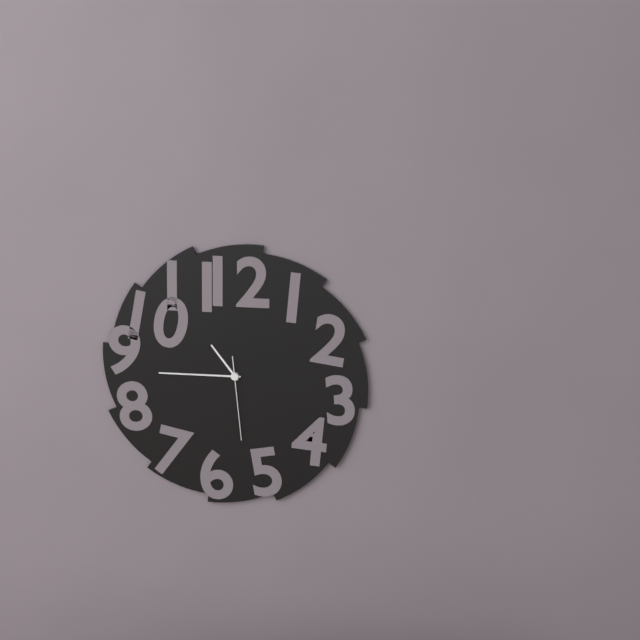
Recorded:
10.45.29
